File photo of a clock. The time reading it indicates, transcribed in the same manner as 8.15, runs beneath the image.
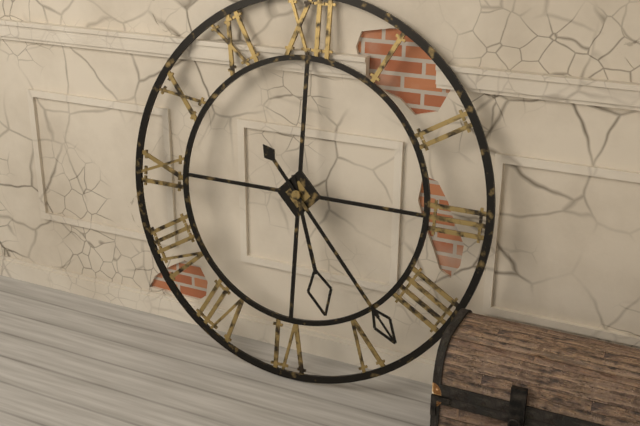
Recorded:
5.23
